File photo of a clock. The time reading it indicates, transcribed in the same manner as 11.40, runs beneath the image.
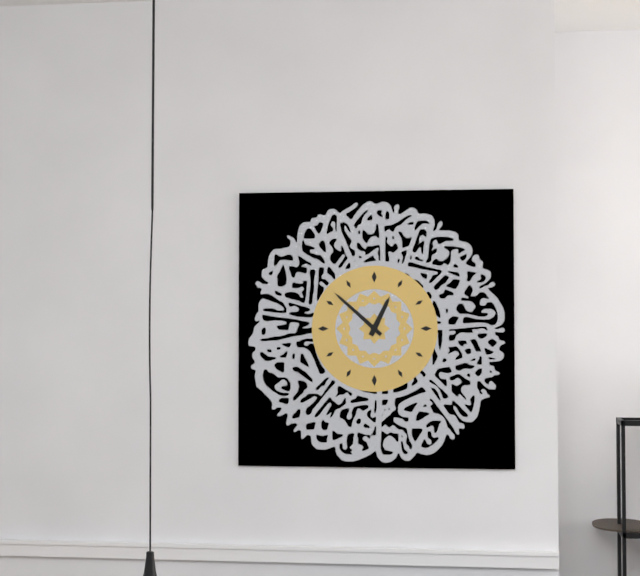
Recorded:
12.52
